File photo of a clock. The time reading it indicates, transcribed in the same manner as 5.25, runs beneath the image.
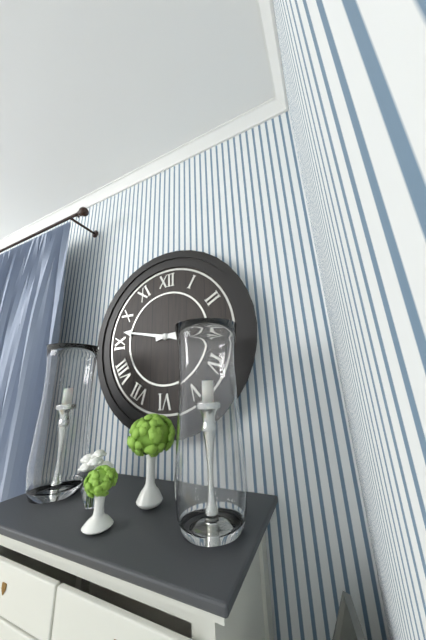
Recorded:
2.47
